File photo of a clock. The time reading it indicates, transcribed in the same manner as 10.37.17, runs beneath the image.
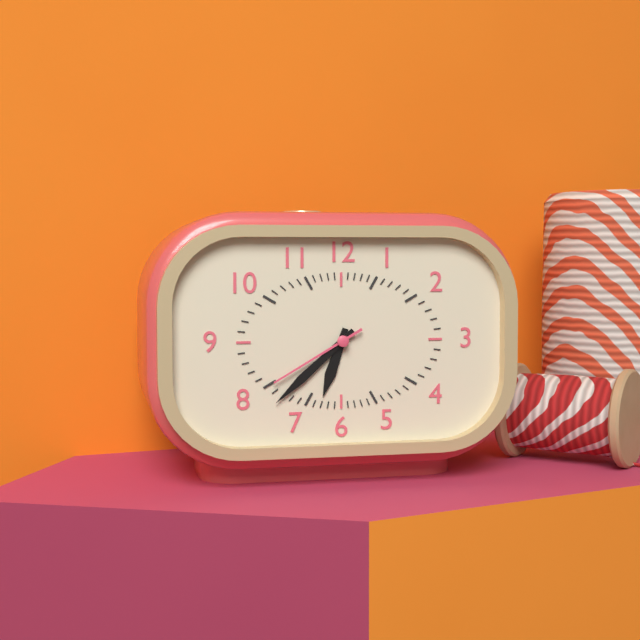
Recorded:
6.38.40
